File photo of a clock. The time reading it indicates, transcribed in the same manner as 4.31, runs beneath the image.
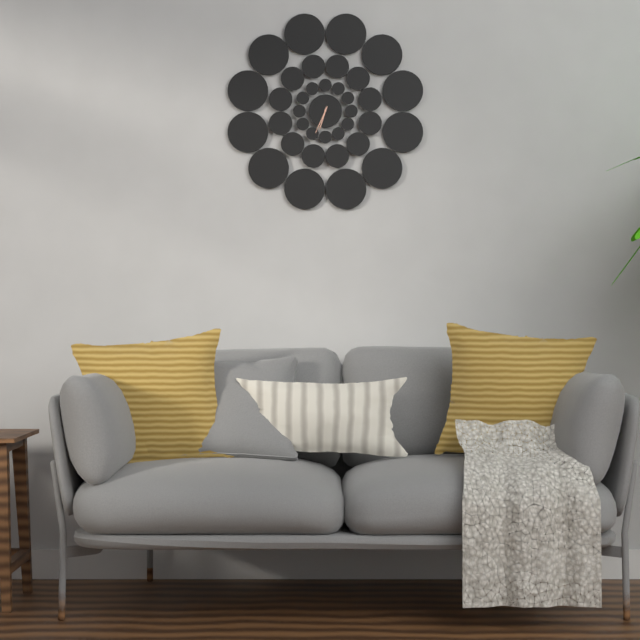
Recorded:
6.34
